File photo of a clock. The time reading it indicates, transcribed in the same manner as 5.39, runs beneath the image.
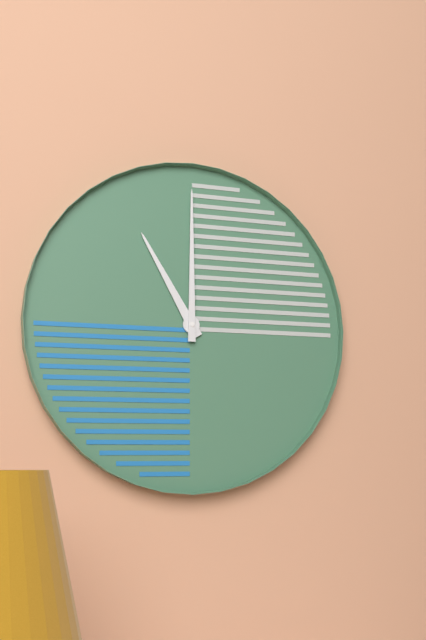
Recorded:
11.00
